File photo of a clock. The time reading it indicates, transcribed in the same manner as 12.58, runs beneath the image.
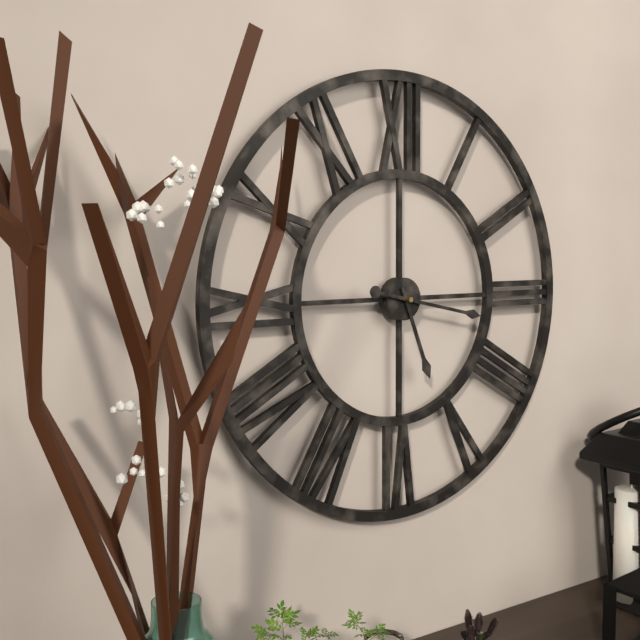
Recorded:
5.17
